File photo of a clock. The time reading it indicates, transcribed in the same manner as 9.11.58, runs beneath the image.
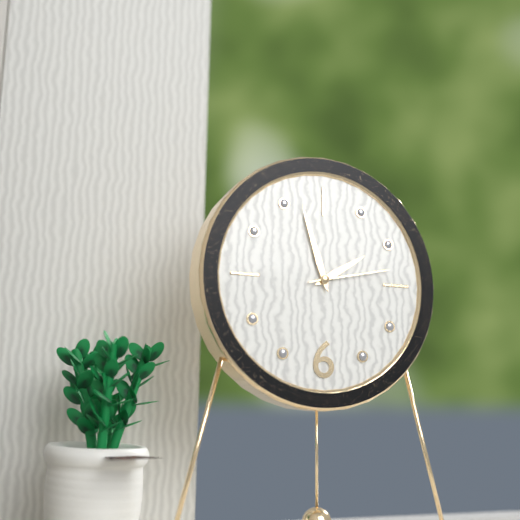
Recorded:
1.57.13
